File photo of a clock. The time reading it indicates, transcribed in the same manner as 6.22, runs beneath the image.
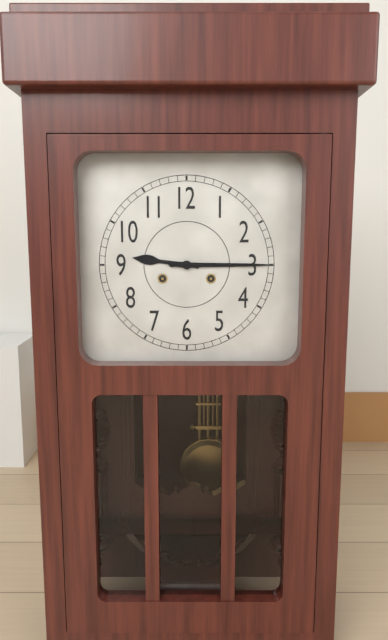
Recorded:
9.15
